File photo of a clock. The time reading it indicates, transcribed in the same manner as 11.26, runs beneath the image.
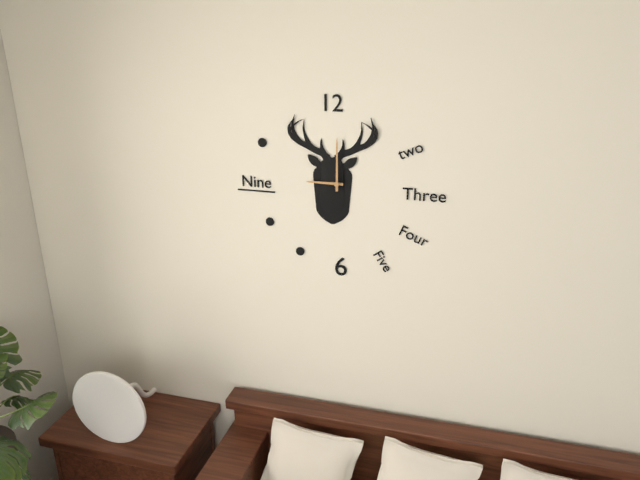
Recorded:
9.00
